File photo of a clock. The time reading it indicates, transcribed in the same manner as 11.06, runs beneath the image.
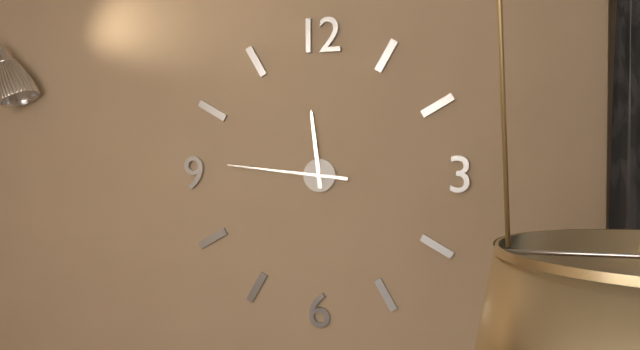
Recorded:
11.46
